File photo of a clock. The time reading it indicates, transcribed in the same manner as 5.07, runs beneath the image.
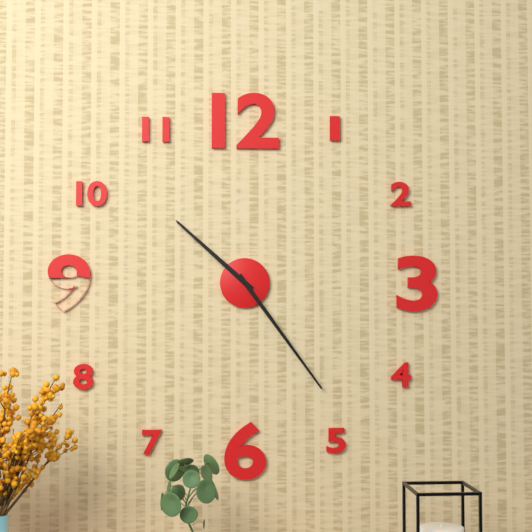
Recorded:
10.24
